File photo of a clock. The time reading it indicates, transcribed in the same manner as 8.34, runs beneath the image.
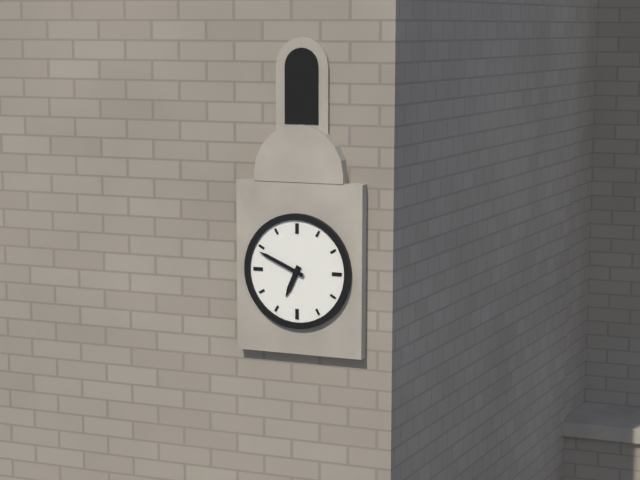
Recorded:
6.49
